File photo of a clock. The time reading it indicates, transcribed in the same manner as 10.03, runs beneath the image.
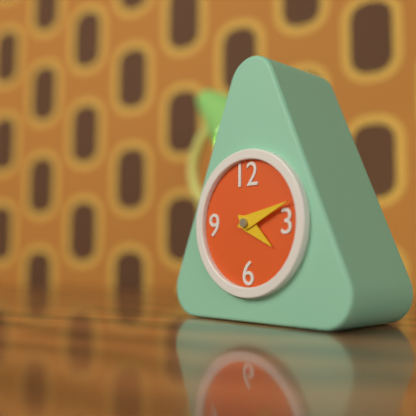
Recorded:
4.12
